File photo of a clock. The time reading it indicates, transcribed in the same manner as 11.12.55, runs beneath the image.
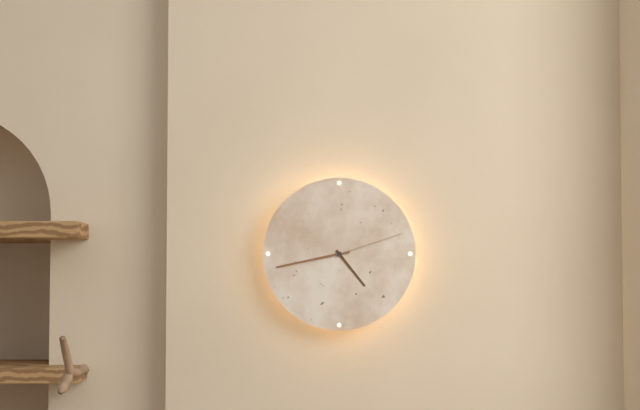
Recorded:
4.43.12
